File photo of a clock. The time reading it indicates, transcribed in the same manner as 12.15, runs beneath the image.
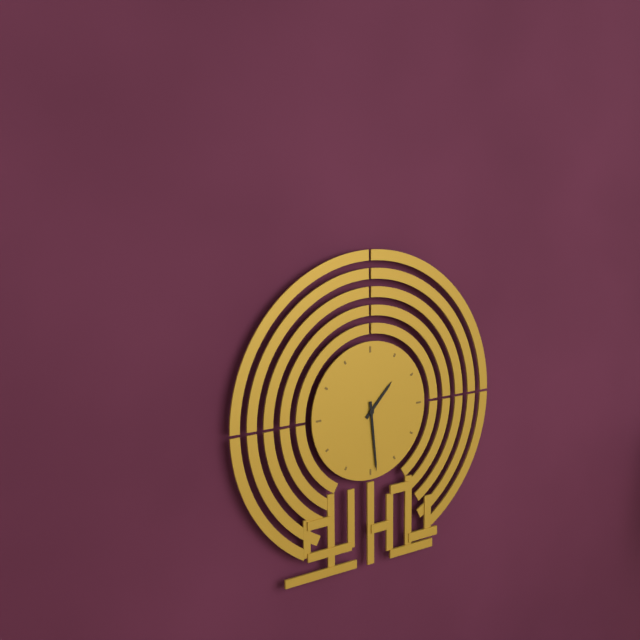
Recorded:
1.29
